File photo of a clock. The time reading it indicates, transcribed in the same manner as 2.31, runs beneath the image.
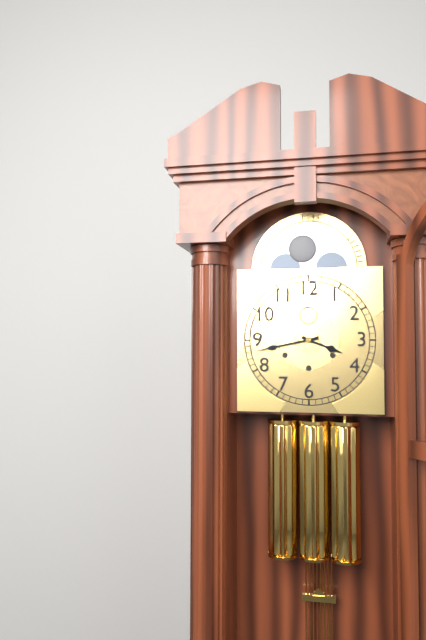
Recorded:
3.43
